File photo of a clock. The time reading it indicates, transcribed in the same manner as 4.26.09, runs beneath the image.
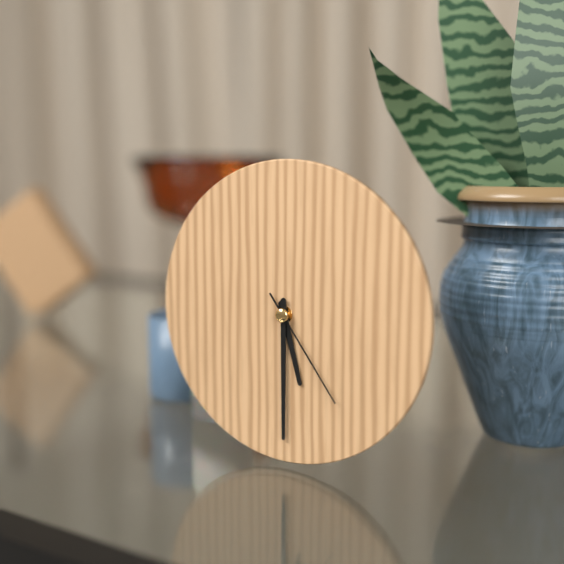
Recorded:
5.30.24
